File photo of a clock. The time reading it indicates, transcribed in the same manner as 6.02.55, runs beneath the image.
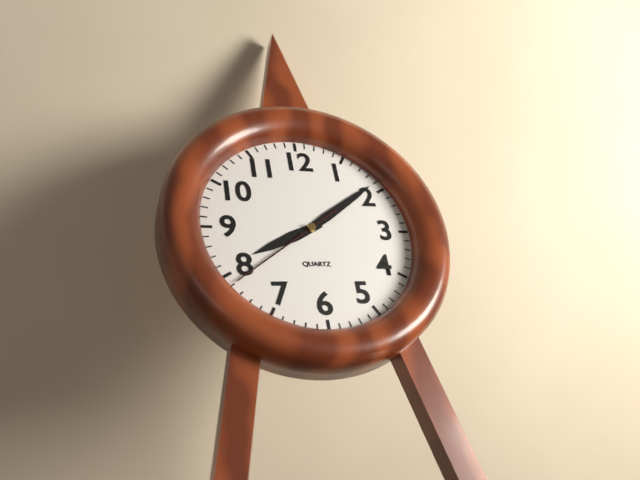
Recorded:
8.09.39
